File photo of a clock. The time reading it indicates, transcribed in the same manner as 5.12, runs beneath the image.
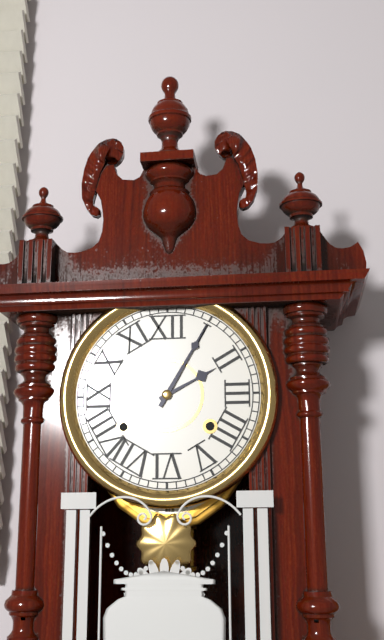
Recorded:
2.05
